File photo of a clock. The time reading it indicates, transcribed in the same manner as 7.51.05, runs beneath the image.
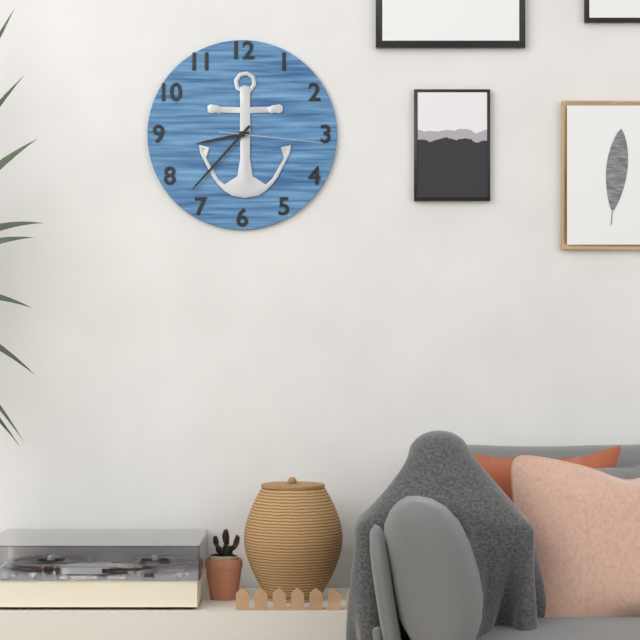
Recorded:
8.37.16
